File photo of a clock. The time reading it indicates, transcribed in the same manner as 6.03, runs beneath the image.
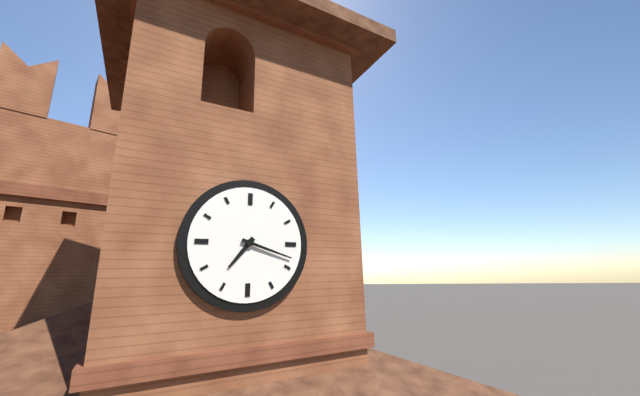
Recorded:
7.18
